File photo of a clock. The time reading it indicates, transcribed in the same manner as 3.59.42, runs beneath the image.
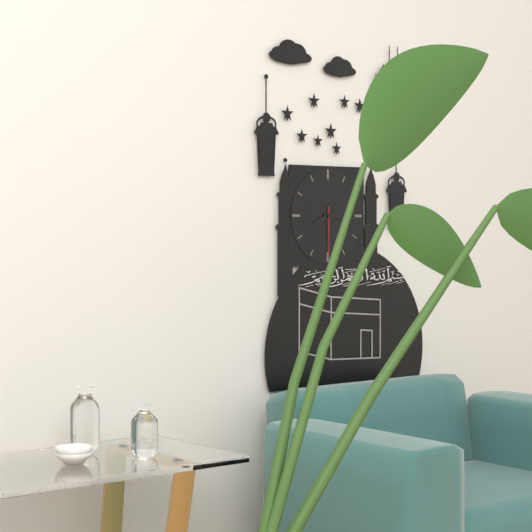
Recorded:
8.16.30
